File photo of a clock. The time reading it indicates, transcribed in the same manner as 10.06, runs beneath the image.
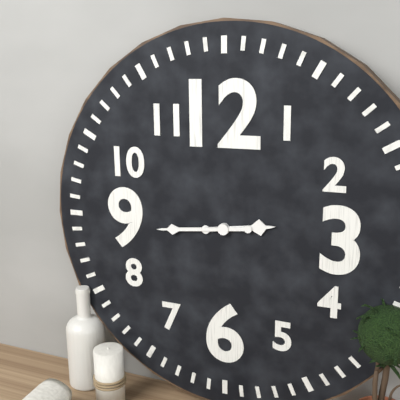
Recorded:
2.44
